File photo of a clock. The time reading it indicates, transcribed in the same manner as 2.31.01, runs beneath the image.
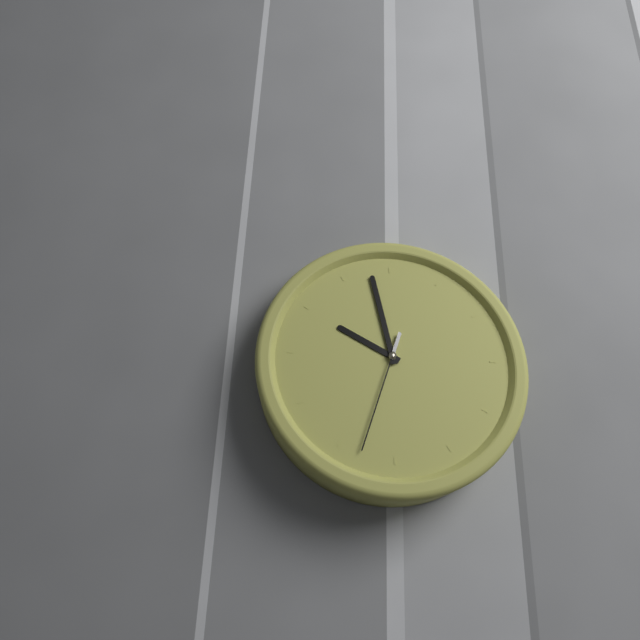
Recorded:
9.58.33
